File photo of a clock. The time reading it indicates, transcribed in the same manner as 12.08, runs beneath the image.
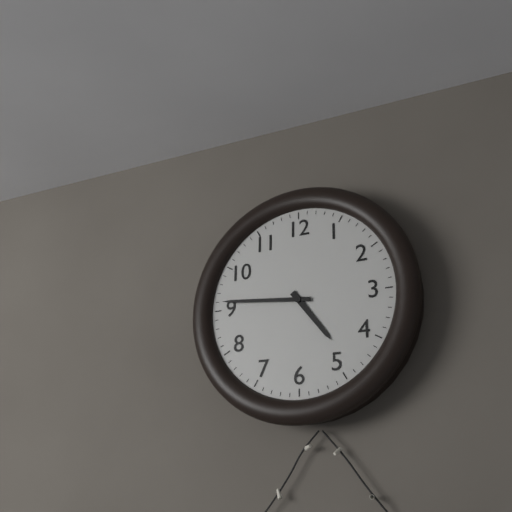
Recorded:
4.46
